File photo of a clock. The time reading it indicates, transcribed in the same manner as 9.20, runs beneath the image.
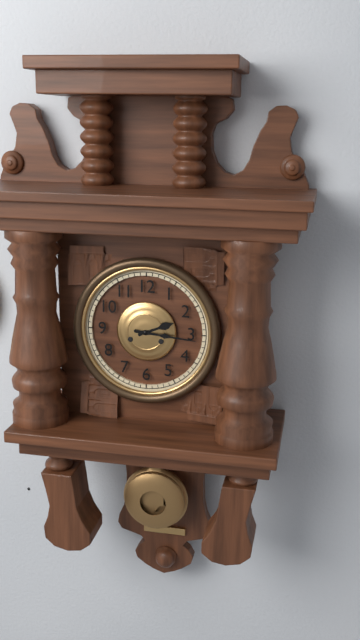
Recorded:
2.16
